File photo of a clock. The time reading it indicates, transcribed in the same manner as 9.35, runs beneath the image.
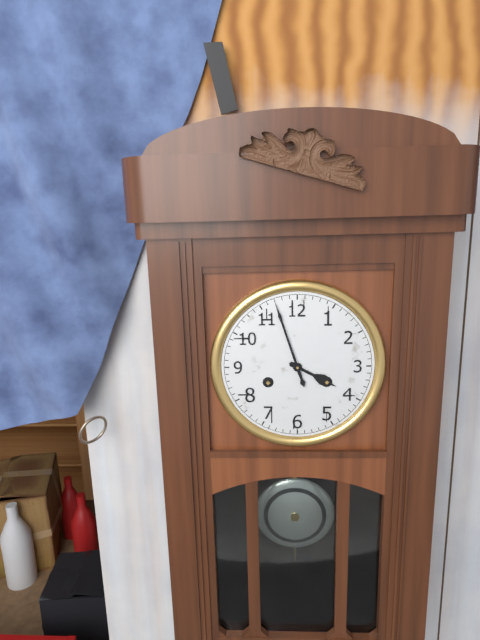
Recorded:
3.57
